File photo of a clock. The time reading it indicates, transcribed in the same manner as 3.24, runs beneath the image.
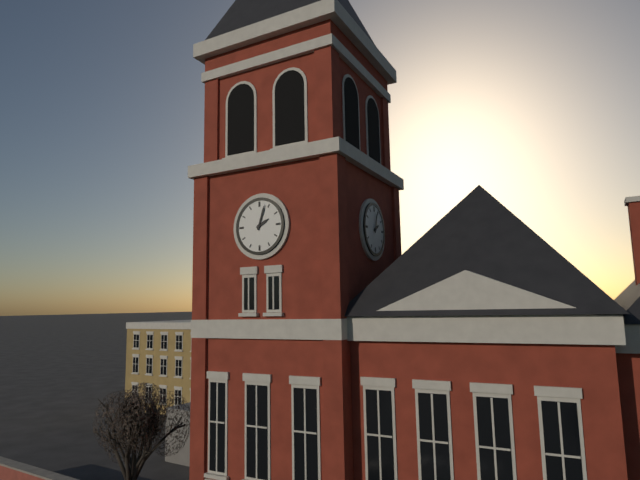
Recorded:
2.03
